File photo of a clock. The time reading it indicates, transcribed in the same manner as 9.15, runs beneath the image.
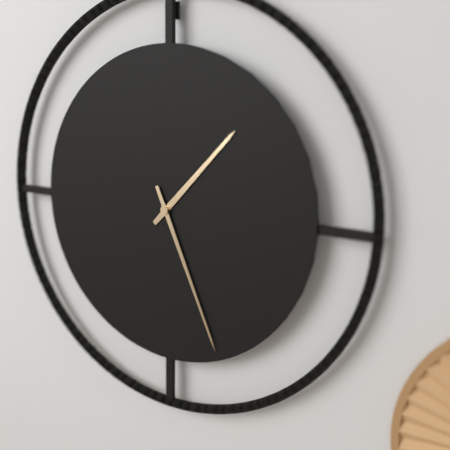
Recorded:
1.26
